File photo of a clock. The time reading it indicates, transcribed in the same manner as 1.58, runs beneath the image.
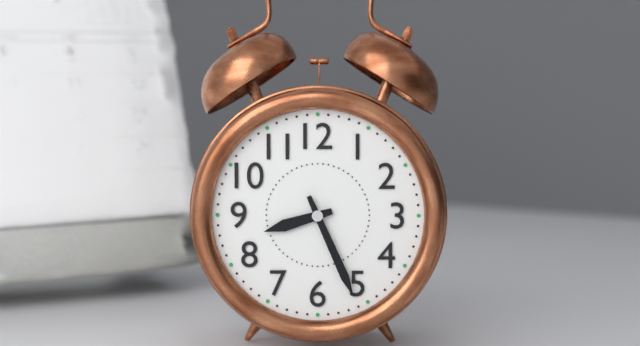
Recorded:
8.26
